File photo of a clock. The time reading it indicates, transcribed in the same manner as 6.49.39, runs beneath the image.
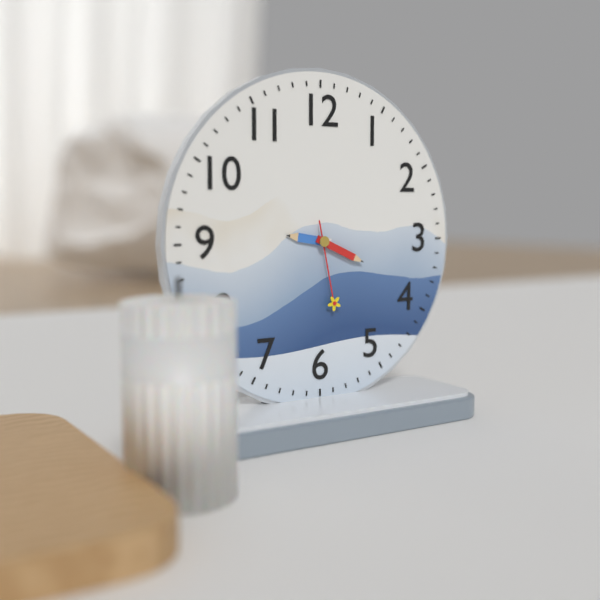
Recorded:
9.19.28
